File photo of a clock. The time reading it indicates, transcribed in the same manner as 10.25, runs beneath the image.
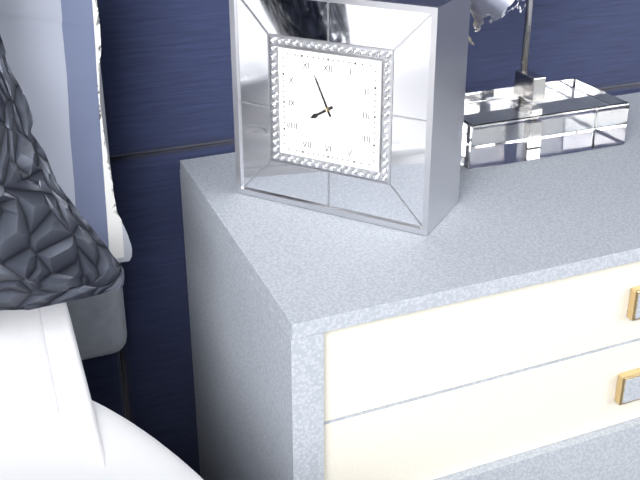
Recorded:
7.56
